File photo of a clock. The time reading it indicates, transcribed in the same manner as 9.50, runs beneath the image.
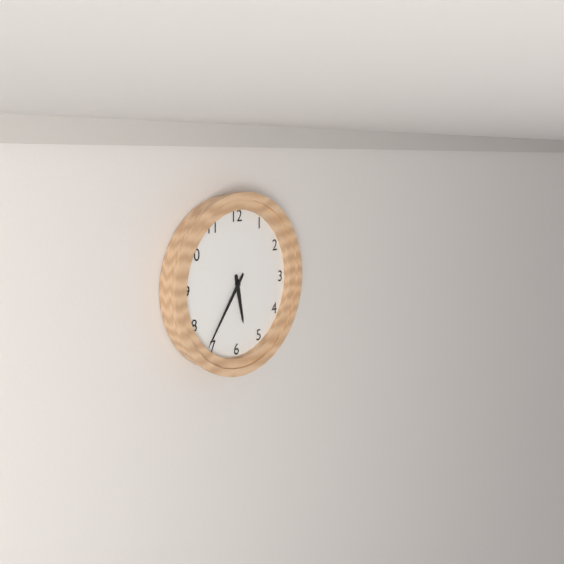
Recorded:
5.36
